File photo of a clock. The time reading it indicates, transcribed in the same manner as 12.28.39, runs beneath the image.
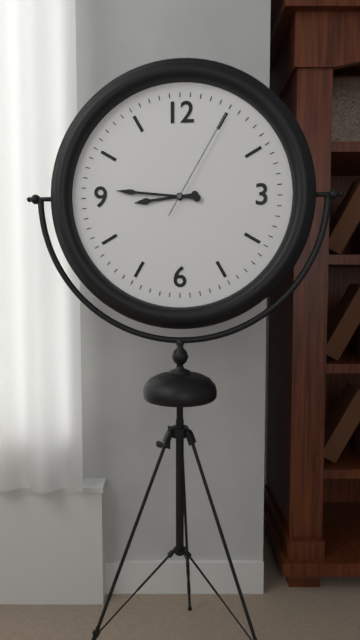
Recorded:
8.46.05
